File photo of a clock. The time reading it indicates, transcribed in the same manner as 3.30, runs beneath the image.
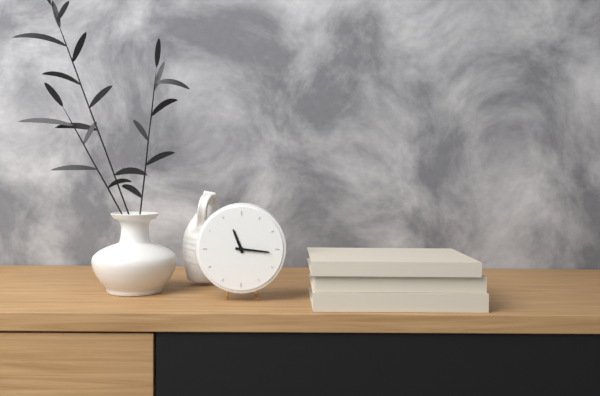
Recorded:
11.16
